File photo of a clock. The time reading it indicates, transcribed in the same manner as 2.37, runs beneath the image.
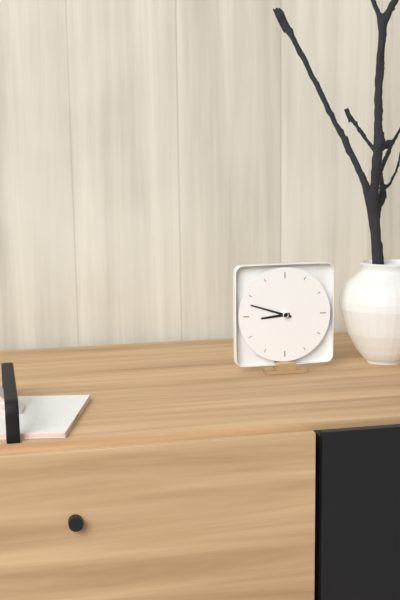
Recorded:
8.48
